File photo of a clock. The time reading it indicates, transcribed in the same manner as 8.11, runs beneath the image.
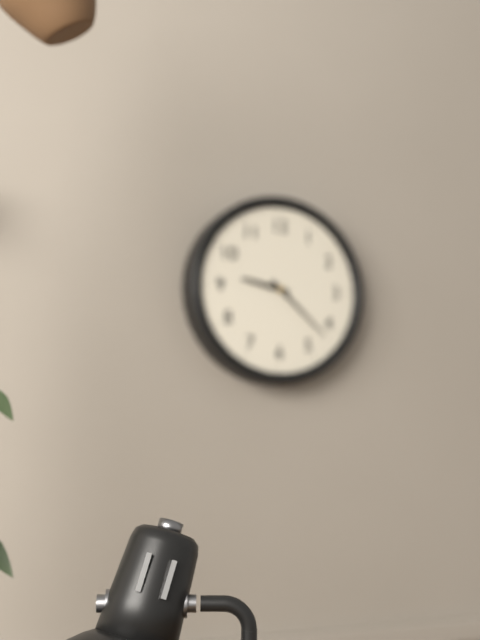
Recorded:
9.22
